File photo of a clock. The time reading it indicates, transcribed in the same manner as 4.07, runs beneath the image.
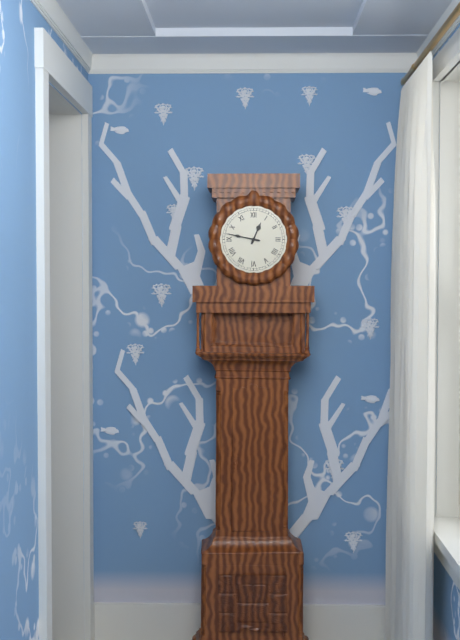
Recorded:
12.47
